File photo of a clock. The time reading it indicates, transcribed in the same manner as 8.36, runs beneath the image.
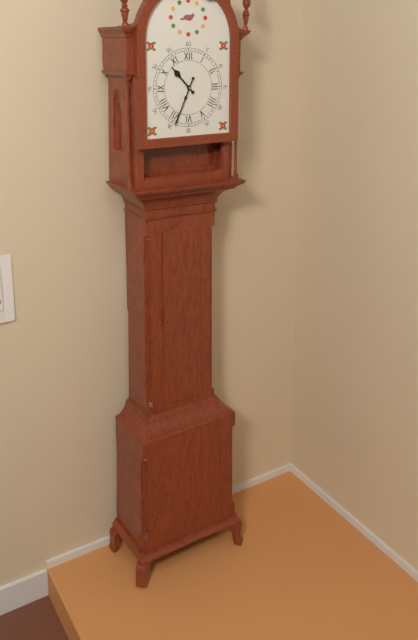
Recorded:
10.34
